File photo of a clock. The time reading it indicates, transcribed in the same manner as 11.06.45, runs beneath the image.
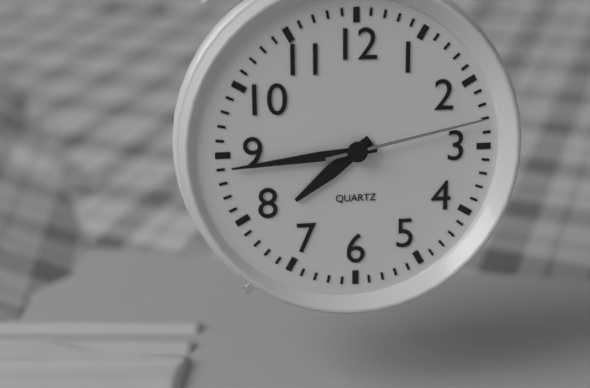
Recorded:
7.44.13
